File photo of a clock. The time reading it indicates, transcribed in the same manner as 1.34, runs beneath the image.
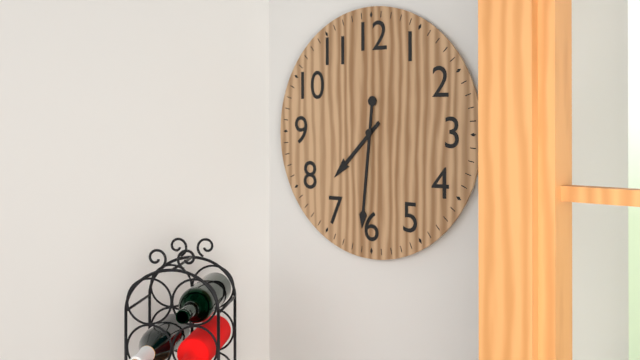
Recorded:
7.31
